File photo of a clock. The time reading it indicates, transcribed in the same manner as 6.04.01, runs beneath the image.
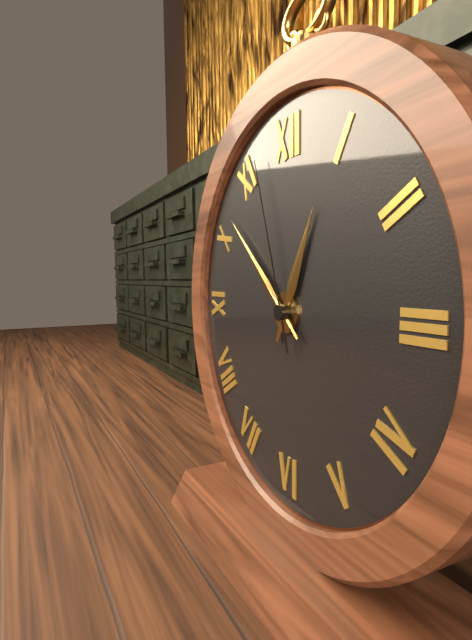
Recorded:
12.52.57
